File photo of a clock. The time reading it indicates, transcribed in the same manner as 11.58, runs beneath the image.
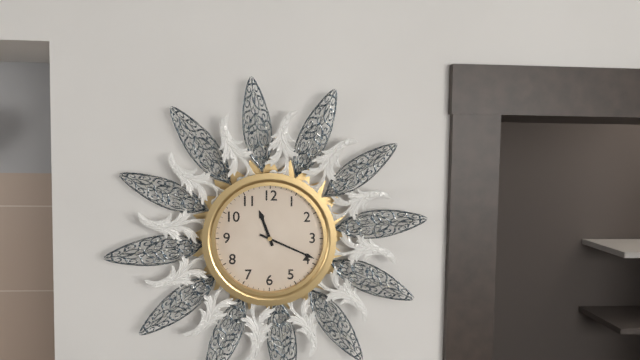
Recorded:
11.19
